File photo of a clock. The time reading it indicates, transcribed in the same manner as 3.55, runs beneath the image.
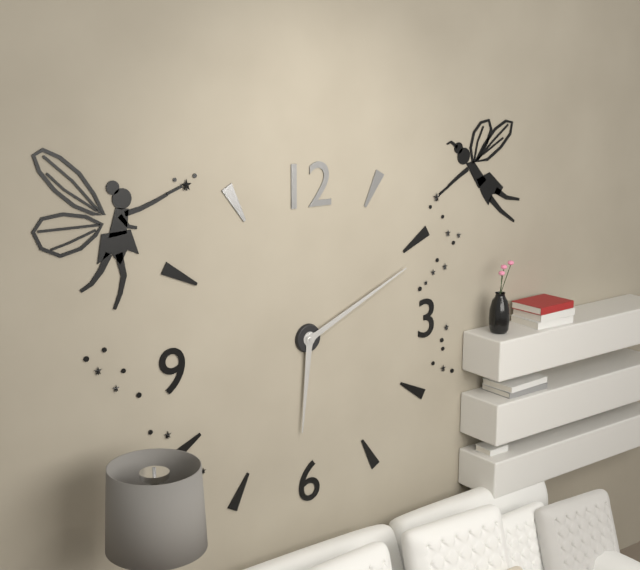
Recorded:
6.11
